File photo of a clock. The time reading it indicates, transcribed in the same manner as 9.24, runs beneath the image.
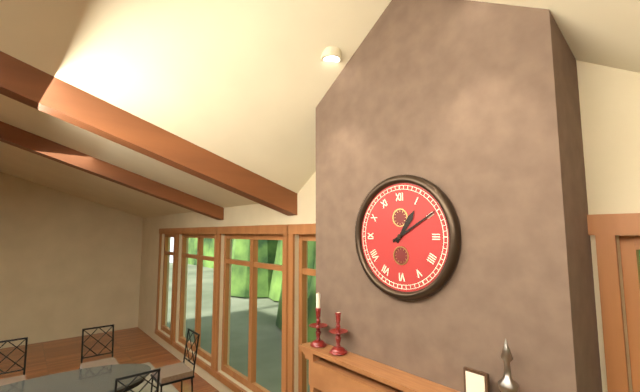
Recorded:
1.10
